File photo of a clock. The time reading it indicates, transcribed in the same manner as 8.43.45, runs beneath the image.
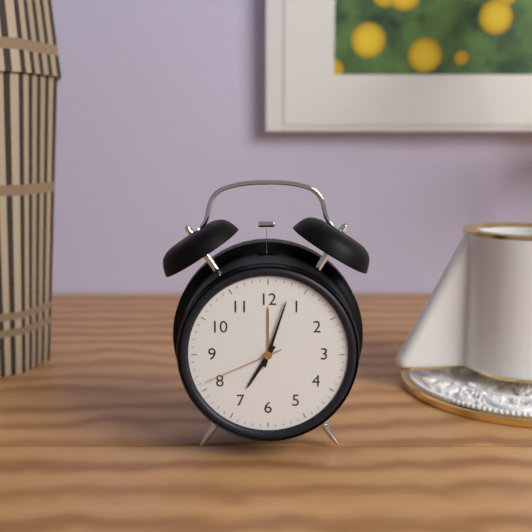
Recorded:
7.03.41
